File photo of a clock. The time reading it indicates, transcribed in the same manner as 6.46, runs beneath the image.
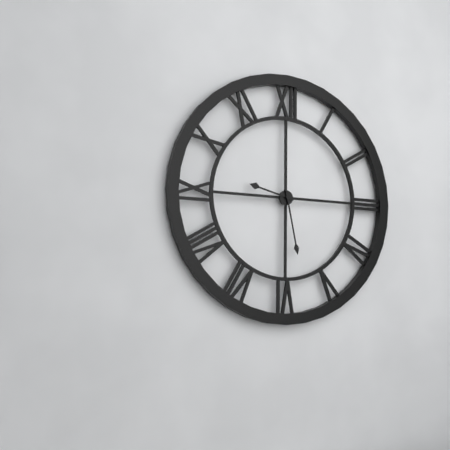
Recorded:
9.28
